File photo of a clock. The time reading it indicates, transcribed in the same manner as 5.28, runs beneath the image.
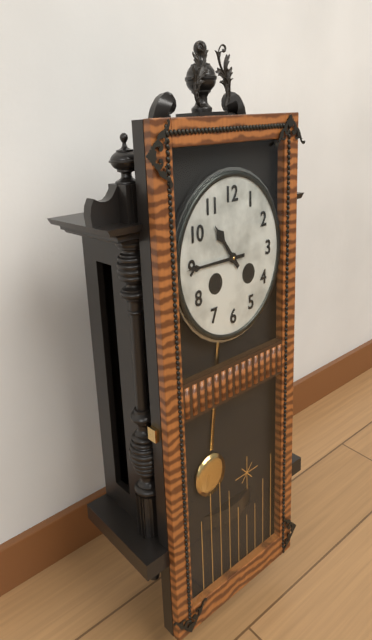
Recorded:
10.45
